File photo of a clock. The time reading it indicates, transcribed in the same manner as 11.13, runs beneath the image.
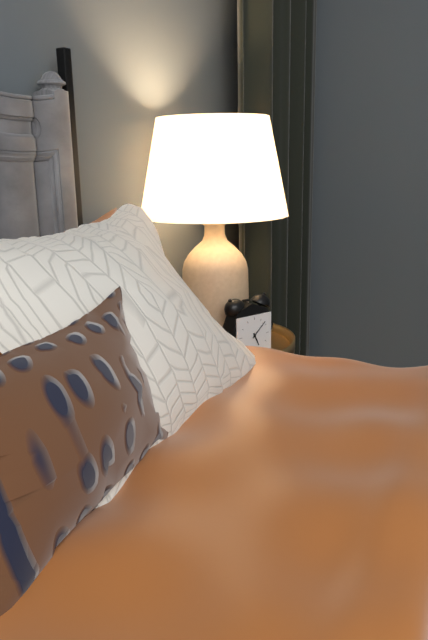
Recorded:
5.08
